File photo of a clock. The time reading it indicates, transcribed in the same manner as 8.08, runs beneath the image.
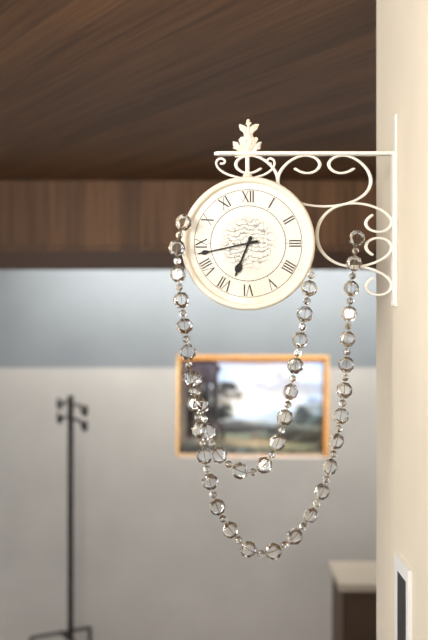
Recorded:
6.43
